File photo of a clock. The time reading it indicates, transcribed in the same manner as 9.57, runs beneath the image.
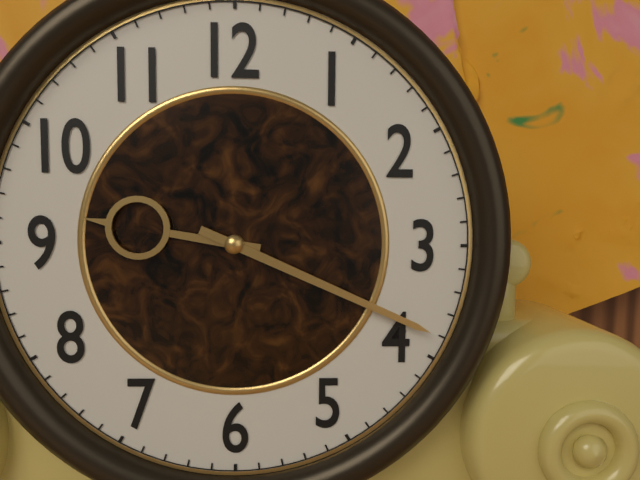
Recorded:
9.19
